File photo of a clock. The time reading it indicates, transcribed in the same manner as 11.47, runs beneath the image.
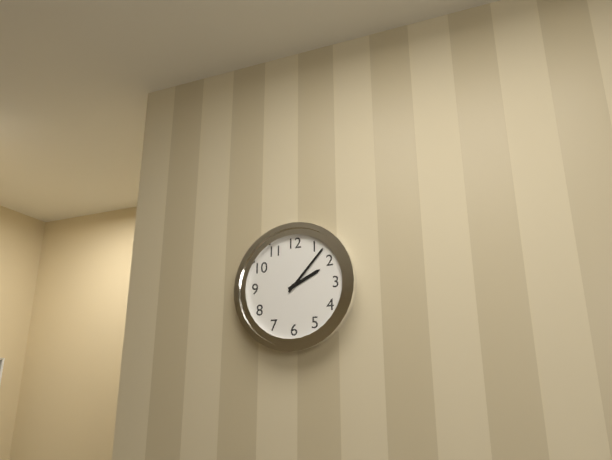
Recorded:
2.07
